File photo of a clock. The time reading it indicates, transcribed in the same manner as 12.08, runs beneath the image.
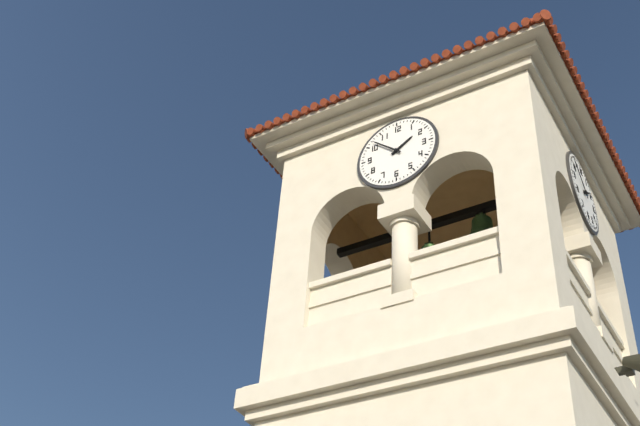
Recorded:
1.52
